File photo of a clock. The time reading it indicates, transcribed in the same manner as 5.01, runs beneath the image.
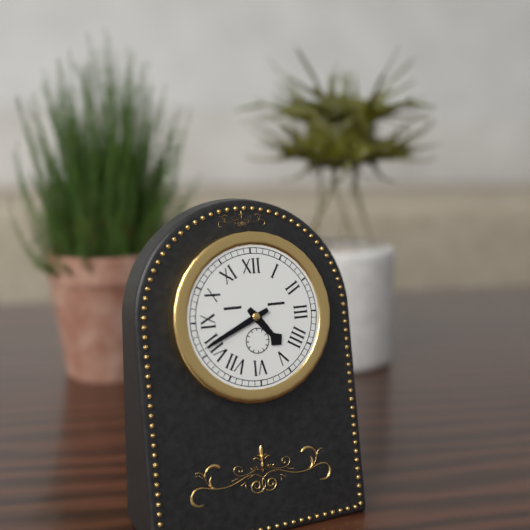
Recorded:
4.41
